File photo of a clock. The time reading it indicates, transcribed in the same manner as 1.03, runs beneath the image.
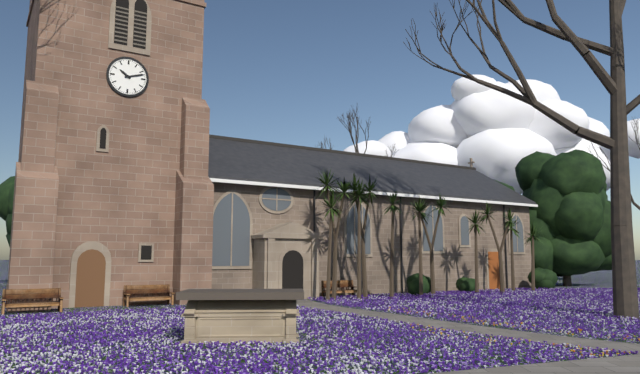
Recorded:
10.12
